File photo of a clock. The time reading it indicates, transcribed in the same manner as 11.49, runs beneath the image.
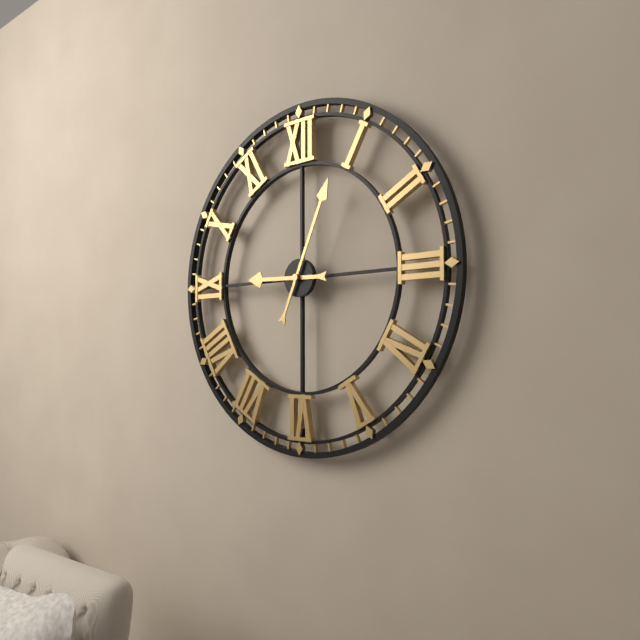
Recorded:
9.04
